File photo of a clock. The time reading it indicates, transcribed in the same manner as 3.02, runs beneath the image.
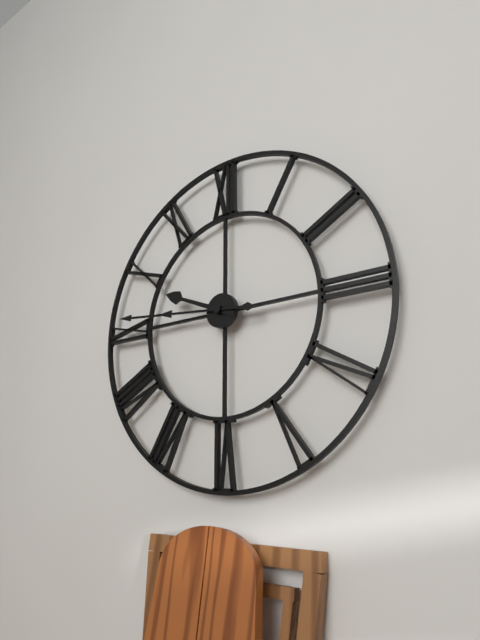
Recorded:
9.46
